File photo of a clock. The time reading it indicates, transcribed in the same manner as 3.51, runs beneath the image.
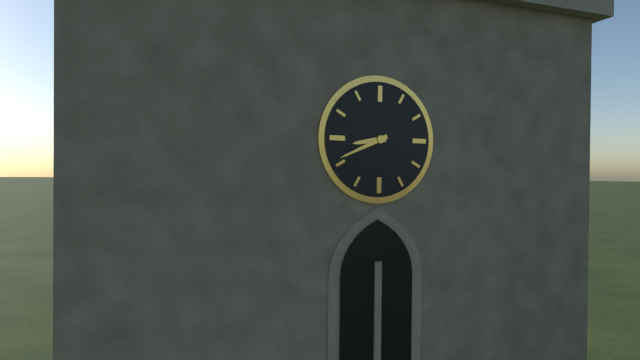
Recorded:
8.41
